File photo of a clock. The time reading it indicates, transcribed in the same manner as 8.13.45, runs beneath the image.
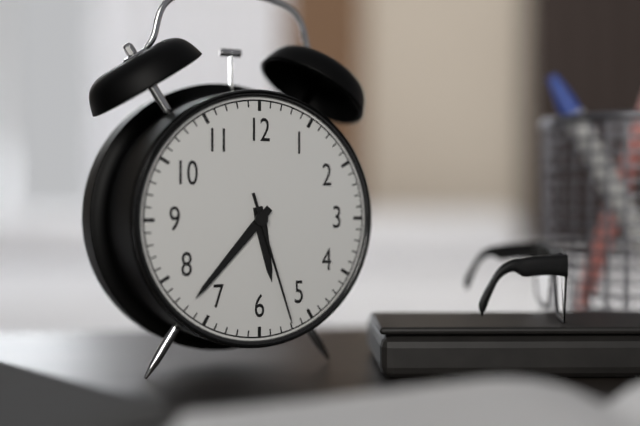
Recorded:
5.37.27
